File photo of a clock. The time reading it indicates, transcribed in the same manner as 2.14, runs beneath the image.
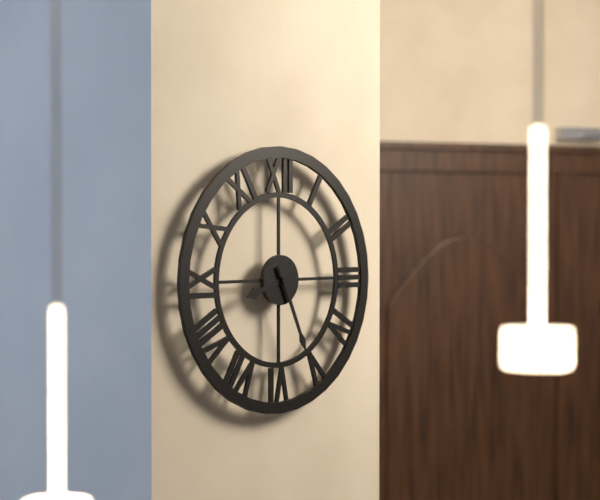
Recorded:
8.26
